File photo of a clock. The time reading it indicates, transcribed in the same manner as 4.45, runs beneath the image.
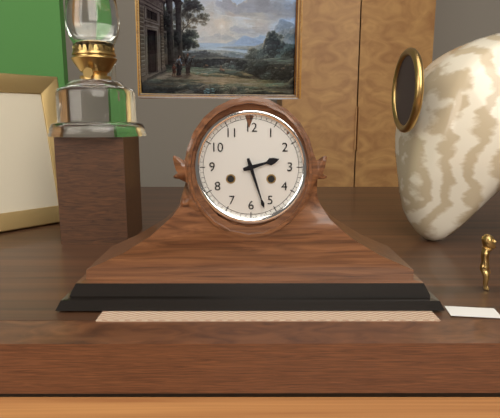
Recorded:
2.27
